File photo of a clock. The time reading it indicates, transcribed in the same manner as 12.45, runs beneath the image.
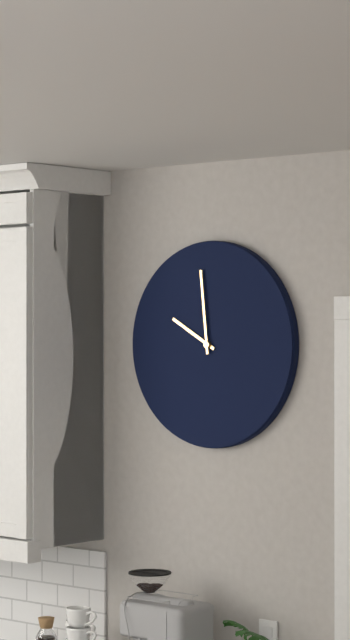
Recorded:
9.59
